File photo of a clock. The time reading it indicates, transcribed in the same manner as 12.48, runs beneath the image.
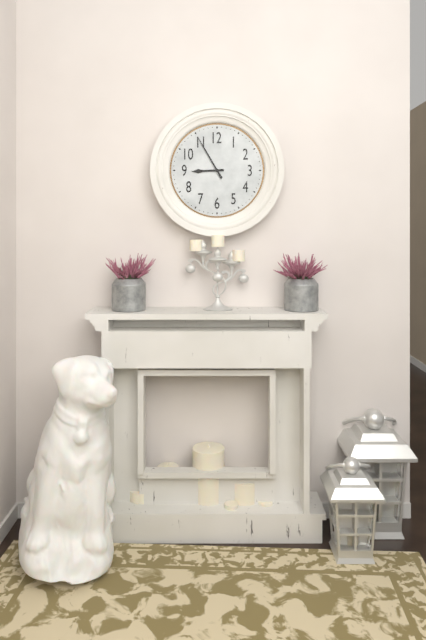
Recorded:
8.55
